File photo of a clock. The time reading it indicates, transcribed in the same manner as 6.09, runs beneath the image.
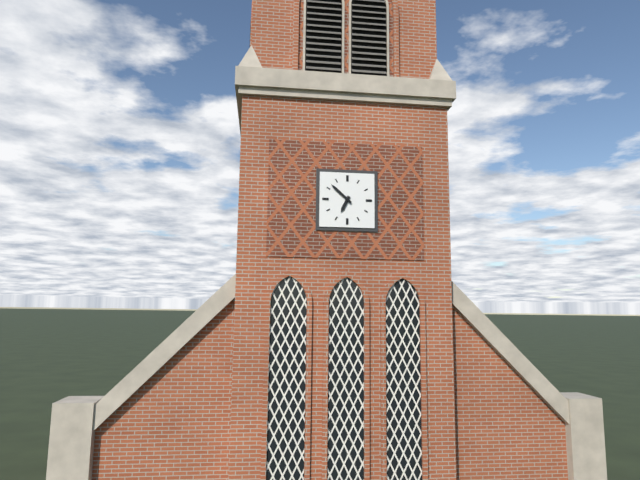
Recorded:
6.52
